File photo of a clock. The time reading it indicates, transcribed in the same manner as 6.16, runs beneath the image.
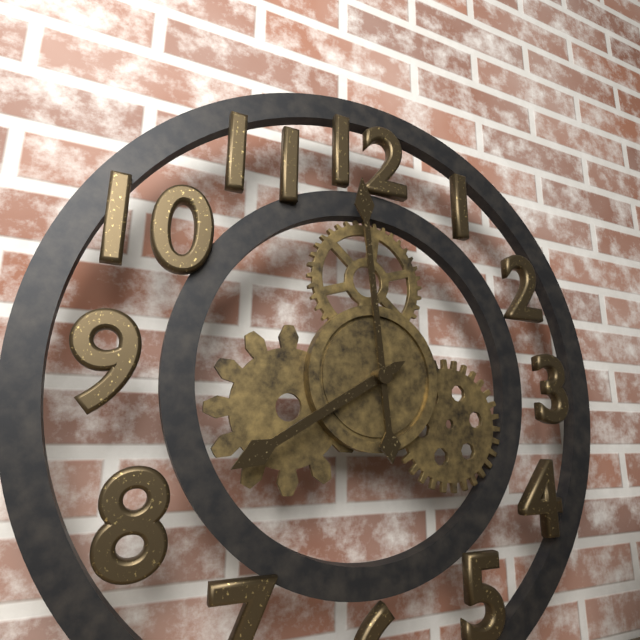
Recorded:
7.59
